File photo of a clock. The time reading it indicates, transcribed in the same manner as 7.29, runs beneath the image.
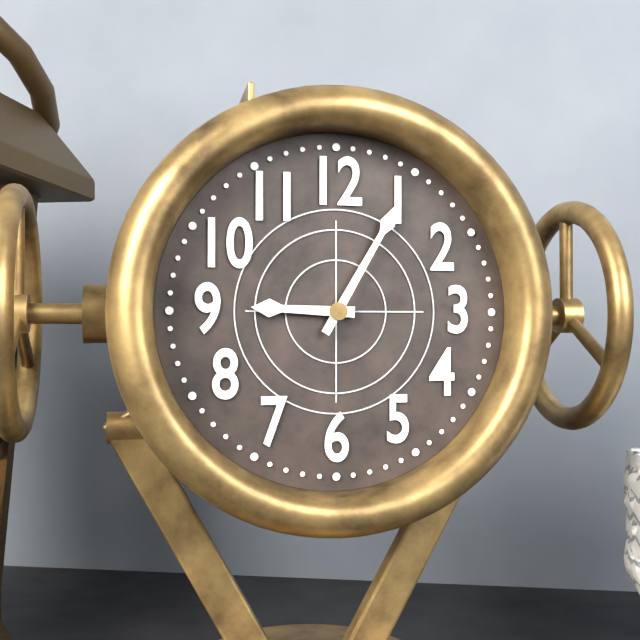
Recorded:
9.05
